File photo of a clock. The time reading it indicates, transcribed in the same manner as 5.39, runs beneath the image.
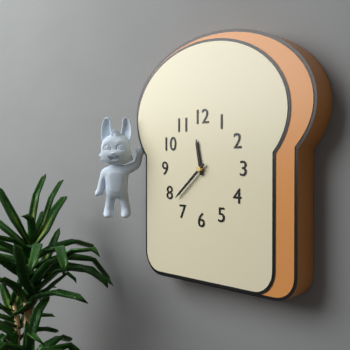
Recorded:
11.38
